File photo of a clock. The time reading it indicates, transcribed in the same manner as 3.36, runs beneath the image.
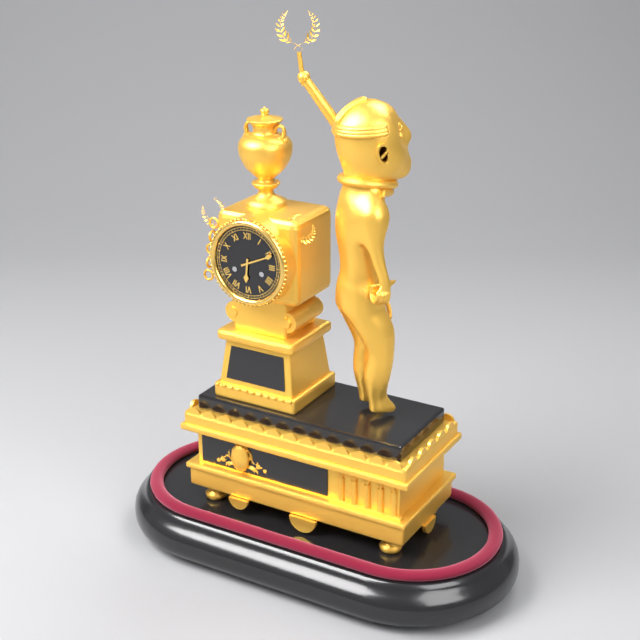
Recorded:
6.11
